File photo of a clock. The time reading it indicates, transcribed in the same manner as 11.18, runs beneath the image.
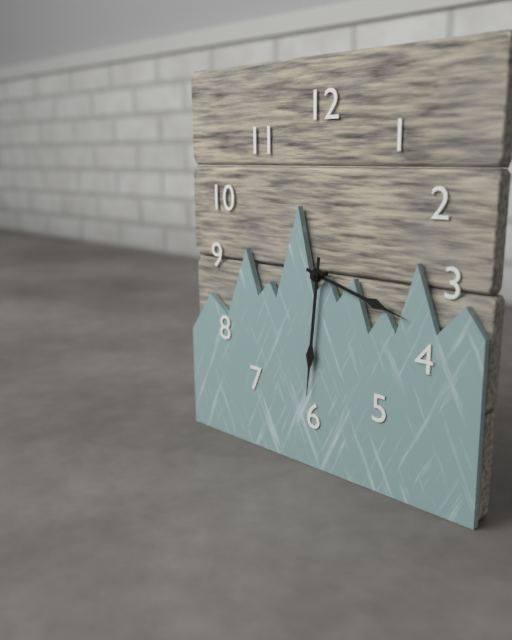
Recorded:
3.31
